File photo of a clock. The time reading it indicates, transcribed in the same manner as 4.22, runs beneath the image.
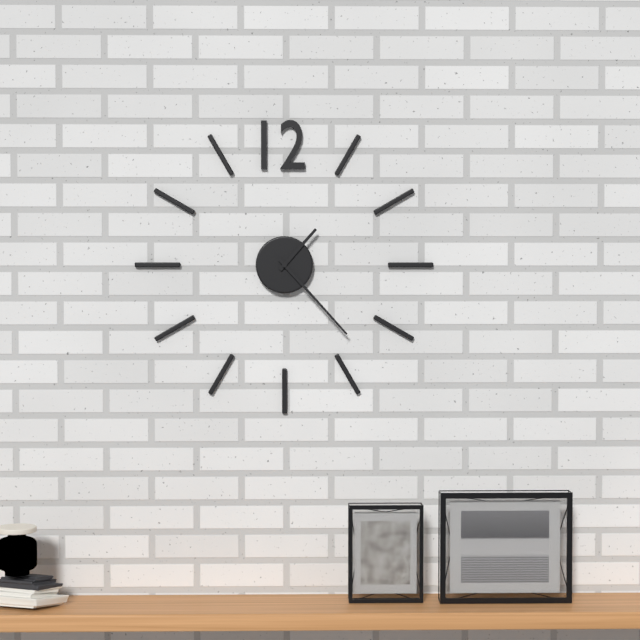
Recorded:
1.23
